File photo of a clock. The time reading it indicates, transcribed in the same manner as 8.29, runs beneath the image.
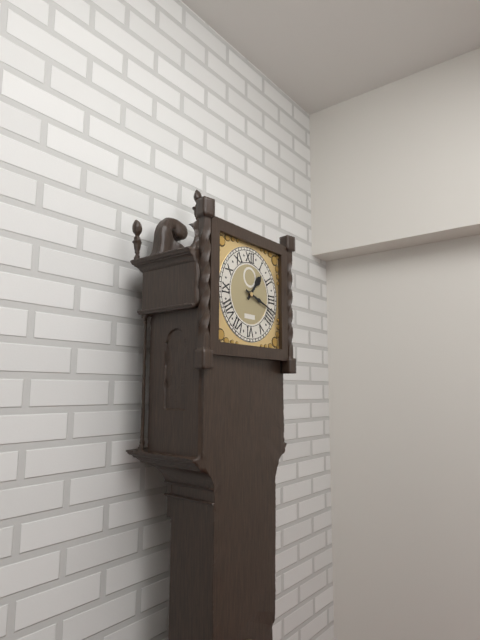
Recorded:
1.18
